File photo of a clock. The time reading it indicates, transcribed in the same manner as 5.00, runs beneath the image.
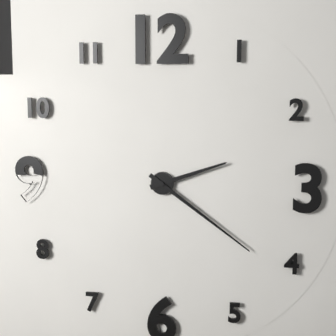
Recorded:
2.21
